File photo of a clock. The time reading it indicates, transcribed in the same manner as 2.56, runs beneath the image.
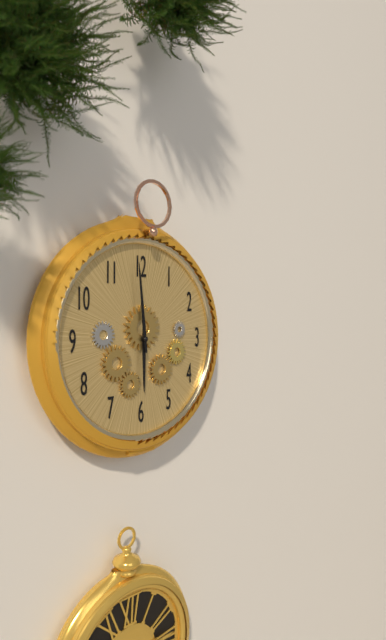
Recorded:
5.59
